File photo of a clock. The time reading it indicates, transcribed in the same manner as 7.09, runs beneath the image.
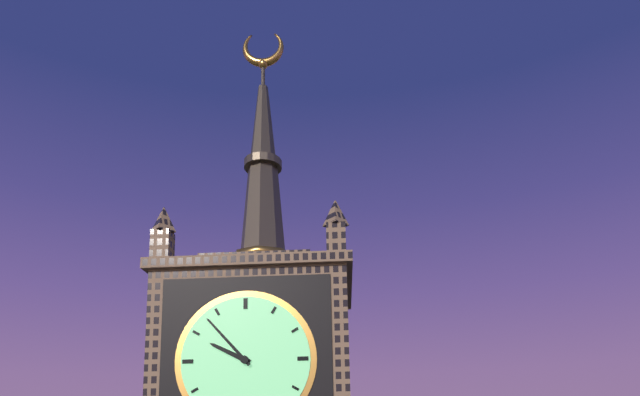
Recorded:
9.53
